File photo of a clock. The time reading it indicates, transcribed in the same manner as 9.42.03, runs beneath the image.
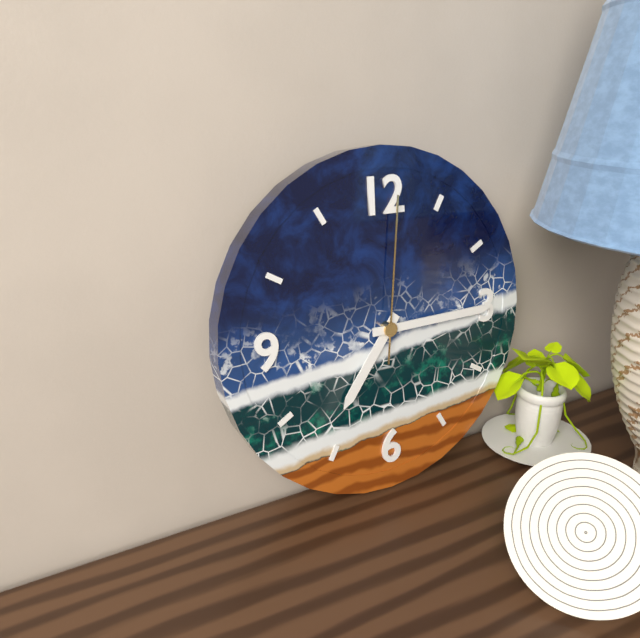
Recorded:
7.15.01
